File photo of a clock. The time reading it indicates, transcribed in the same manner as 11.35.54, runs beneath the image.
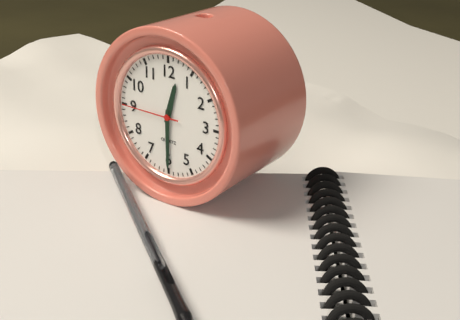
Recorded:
12.30.45
